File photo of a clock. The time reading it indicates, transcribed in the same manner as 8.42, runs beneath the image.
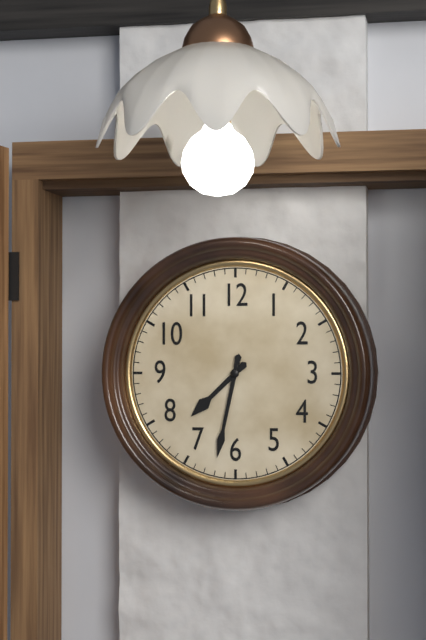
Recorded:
7.32
